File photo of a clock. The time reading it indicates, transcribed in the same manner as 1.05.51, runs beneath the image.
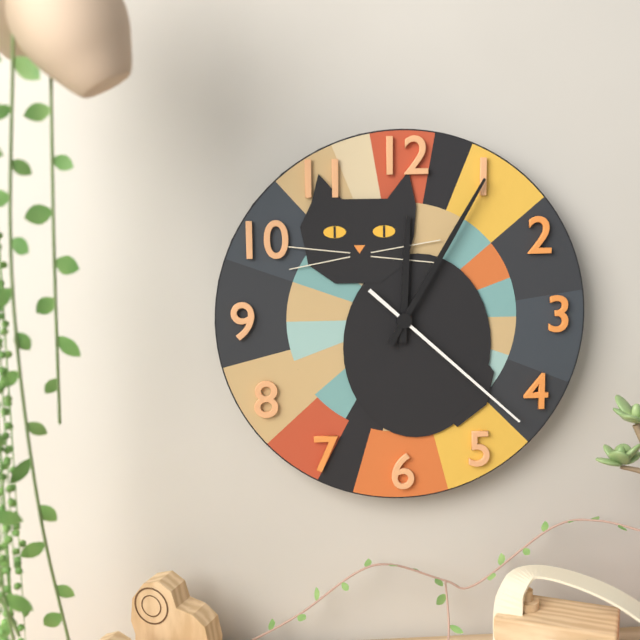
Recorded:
12.05.22
